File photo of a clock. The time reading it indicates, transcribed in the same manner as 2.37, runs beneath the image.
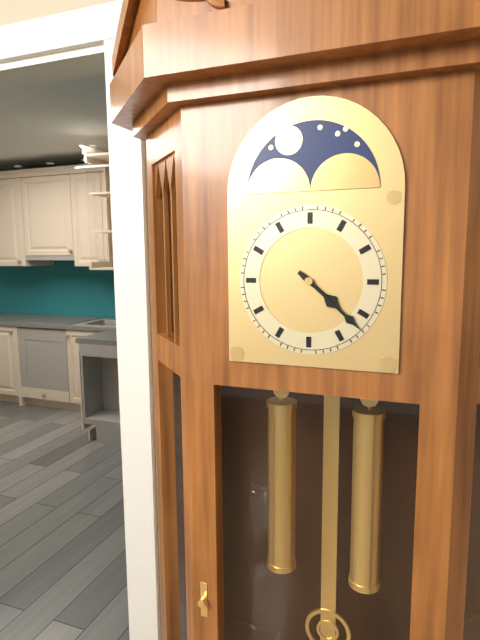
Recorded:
4.22
